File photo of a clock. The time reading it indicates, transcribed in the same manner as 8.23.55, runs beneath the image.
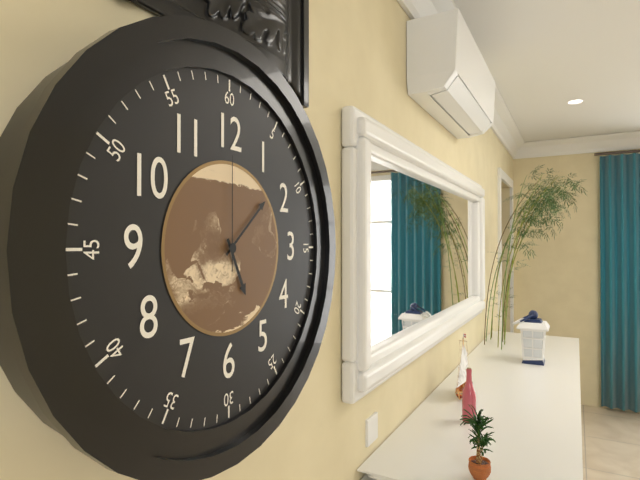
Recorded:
5.08.00
